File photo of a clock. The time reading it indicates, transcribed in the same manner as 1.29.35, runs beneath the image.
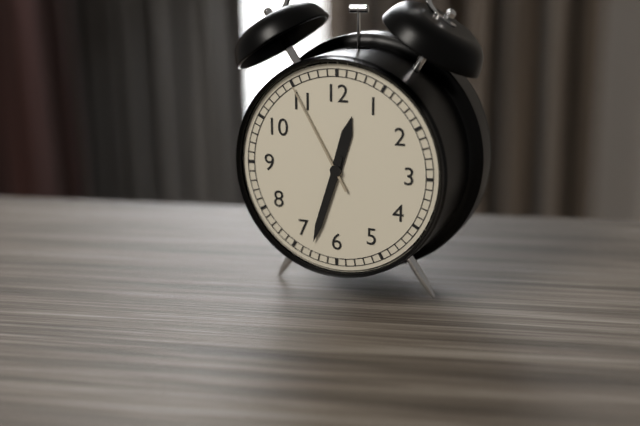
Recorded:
12.33.55
